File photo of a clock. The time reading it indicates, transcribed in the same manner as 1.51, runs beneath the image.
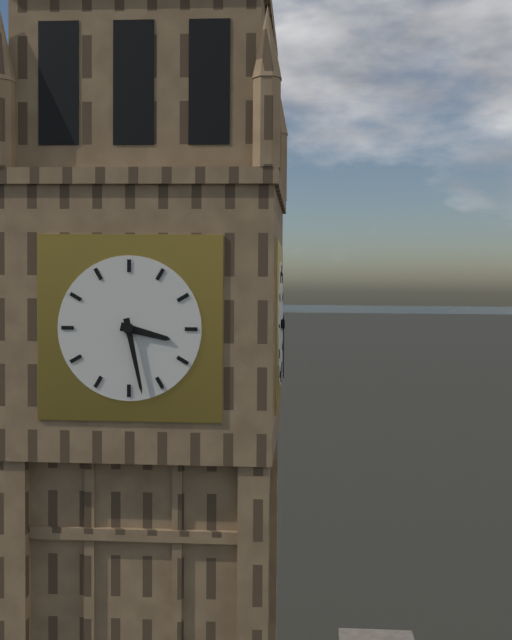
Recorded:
3.28
